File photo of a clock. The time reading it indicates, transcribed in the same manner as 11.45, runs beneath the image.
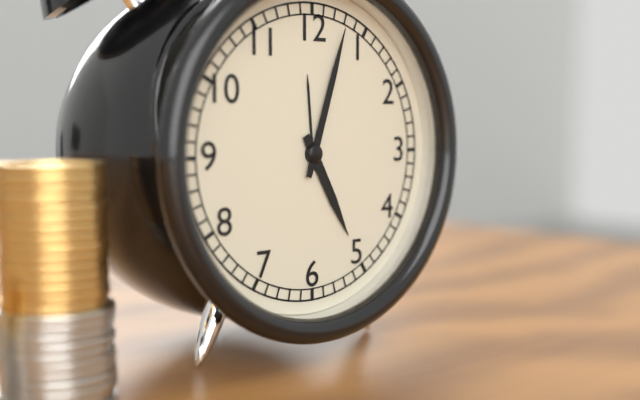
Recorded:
5.03
